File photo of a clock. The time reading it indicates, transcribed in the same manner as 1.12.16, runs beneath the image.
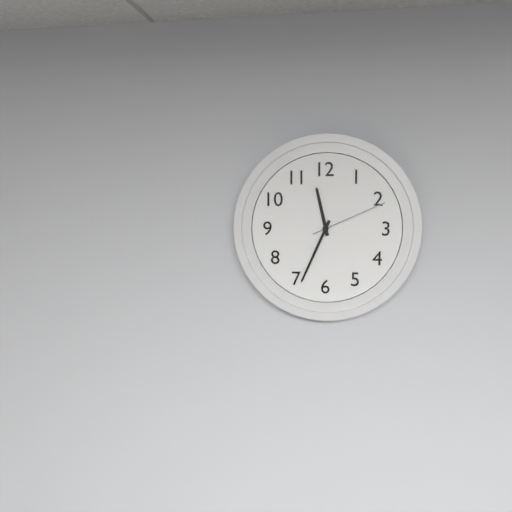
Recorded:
11.34.11
